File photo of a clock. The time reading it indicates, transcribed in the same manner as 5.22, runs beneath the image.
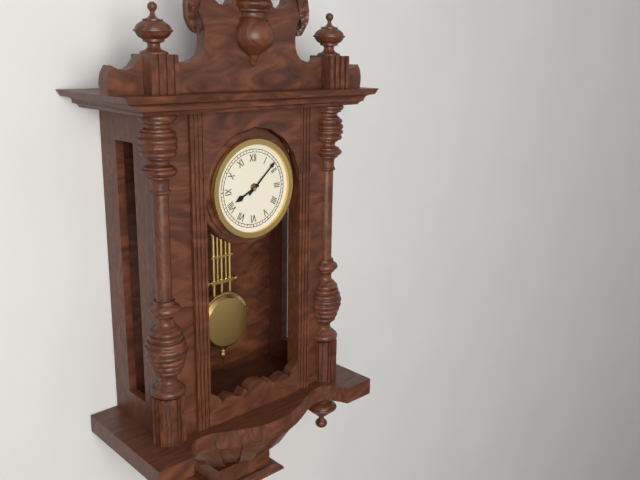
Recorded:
8.08
